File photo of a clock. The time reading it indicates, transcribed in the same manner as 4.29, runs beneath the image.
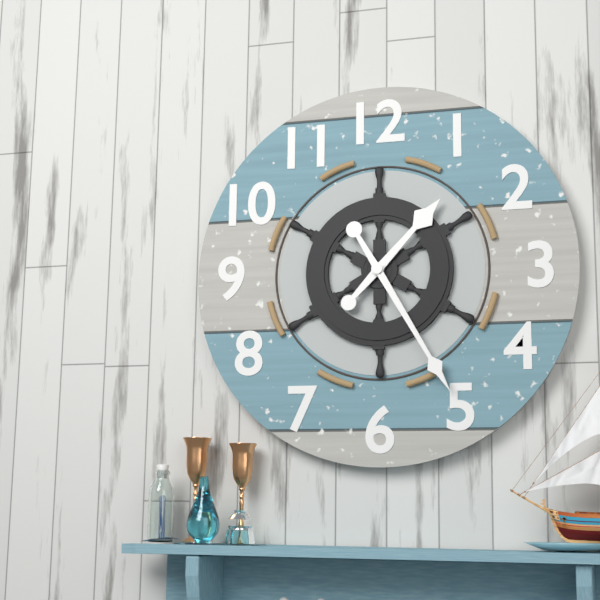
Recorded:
1.25
